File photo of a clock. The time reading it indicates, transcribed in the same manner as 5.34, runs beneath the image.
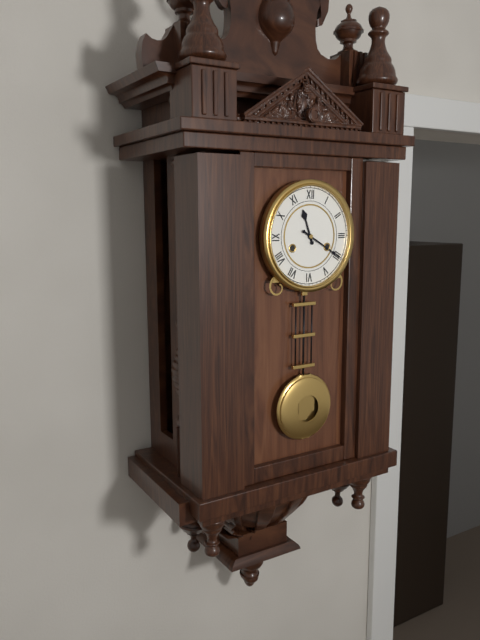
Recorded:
11.20
